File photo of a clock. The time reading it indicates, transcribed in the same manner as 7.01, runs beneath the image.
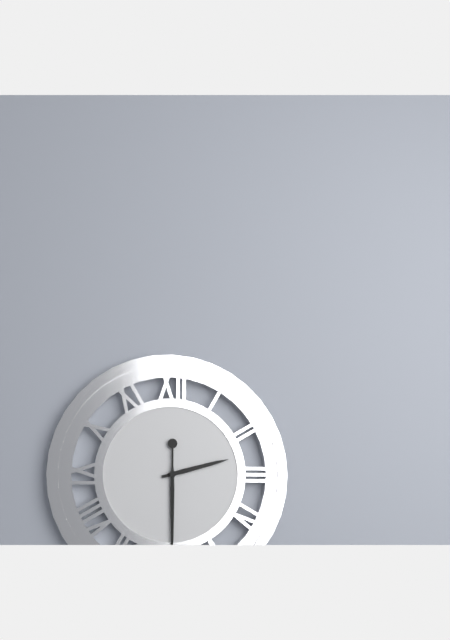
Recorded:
2.30
